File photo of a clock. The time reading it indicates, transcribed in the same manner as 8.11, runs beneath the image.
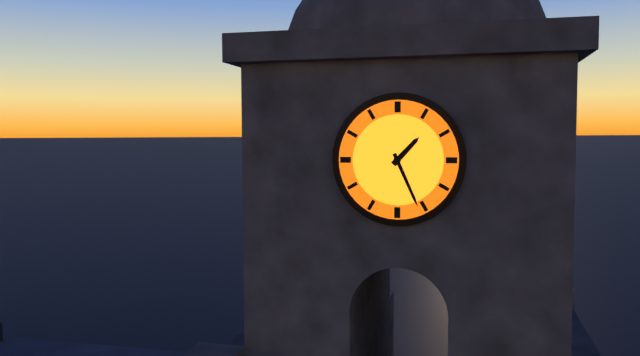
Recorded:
1.26
